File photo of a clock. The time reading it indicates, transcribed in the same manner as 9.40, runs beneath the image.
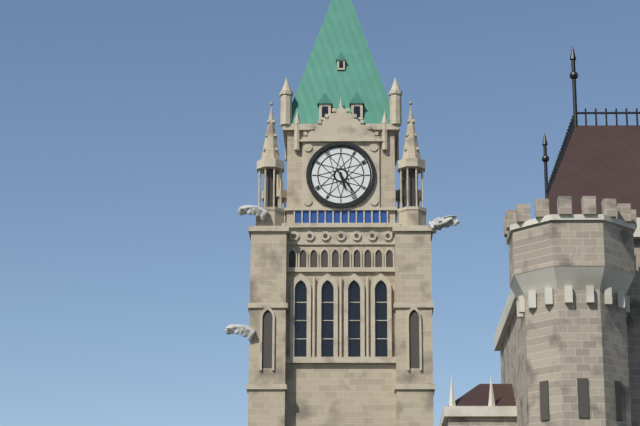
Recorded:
5.24
